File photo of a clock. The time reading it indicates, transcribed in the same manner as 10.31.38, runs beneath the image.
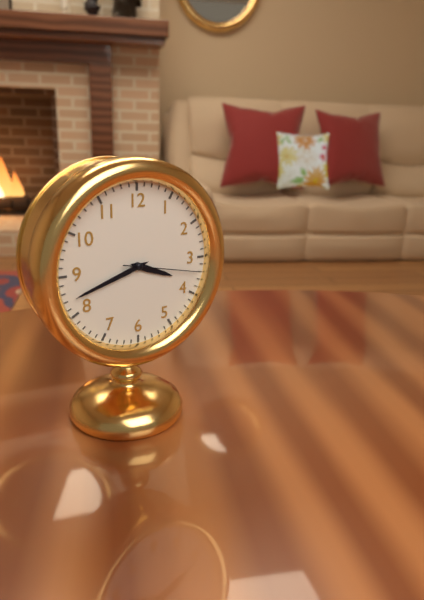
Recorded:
3.42.17
